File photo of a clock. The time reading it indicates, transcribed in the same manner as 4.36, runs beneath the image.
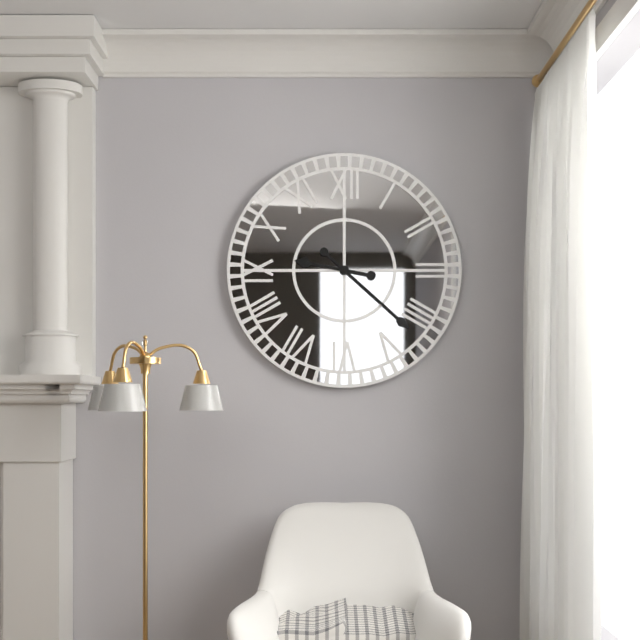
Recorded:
9.22
